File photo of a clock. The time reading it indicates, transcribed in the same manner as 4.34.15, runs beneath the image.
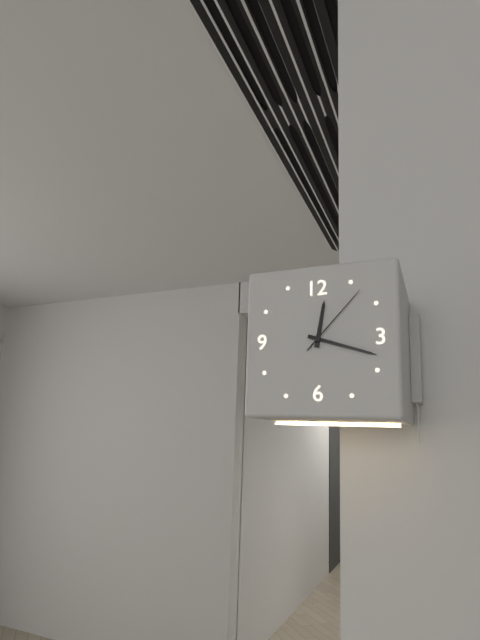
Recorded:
12.18.07
